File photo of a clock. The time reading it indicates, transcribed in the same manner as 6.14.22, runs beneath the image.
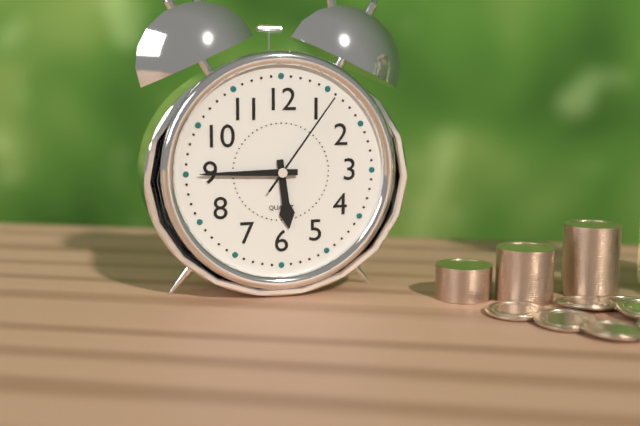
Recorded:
5.45.06
